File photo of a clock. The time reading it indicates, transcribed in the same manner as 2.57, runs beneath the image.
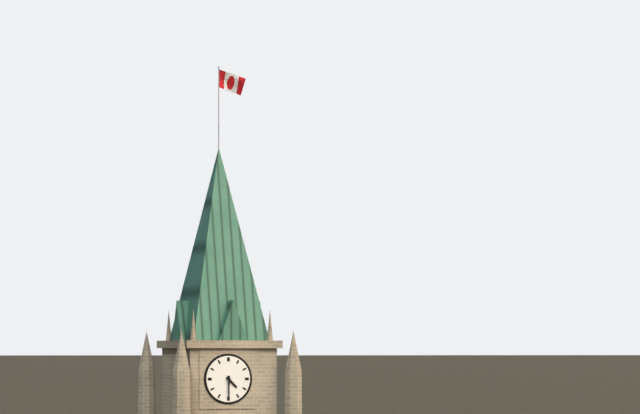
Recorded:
4.30
